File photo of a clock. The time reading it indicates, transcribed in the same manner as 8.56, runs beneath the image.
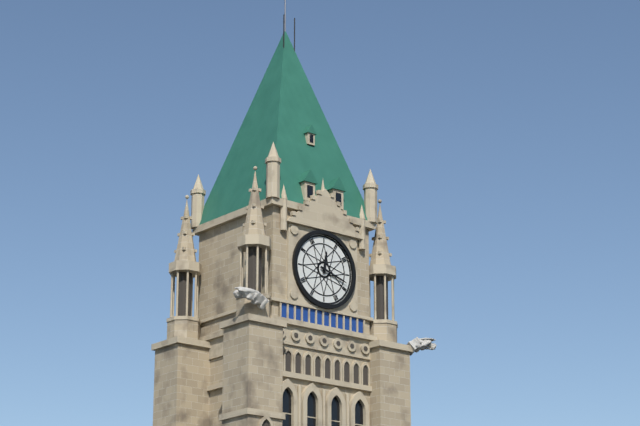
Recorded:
12.18
